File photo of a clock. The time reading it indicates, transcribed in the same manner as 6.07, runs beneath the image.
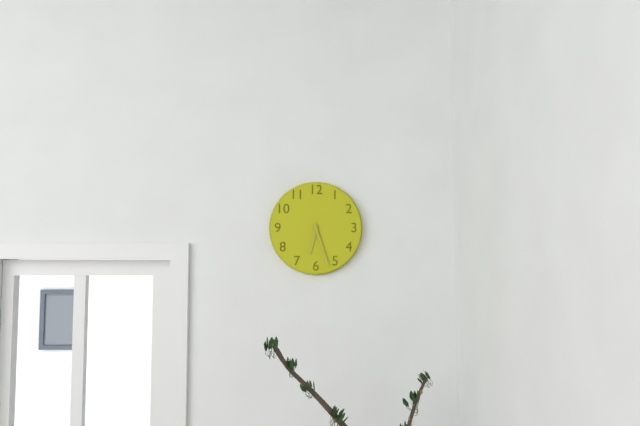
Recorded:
6.27
